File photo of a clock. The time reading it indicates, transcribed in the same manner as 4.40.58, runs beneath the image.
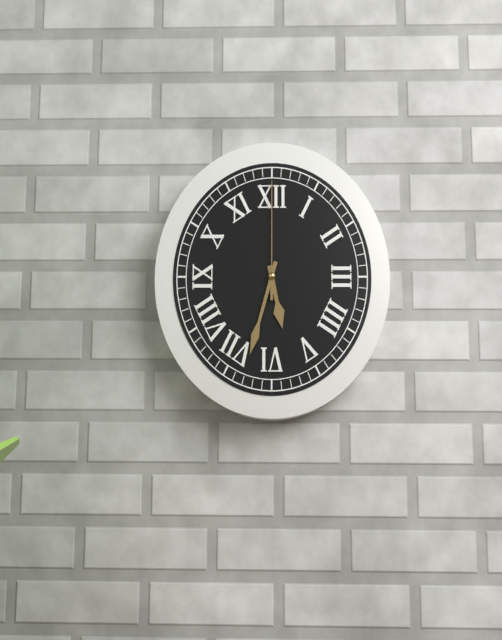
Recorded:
5.33.00
